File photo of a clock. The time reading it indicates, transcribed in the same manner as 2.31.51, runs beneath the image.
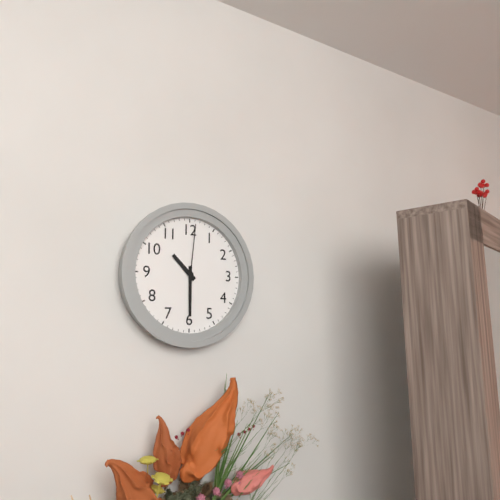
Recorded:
10.30.01
